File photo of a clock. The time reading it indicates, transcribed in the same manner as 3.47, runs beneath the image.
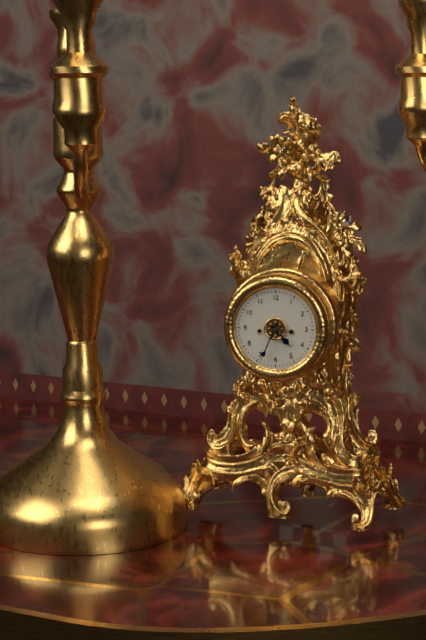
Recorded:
4.34
